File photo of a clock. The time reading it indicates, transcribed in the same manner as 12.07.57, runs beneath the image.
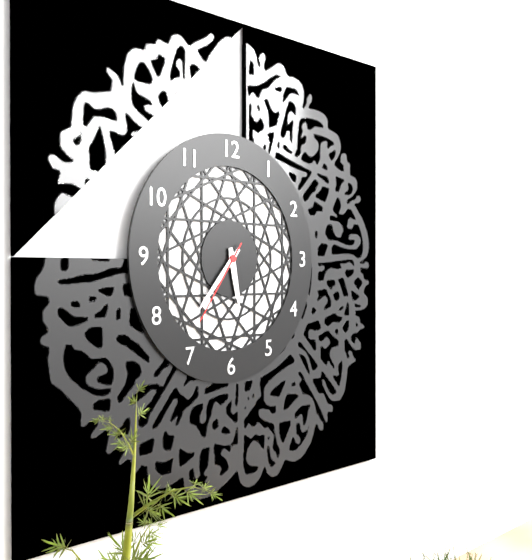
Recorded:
5.37.36
